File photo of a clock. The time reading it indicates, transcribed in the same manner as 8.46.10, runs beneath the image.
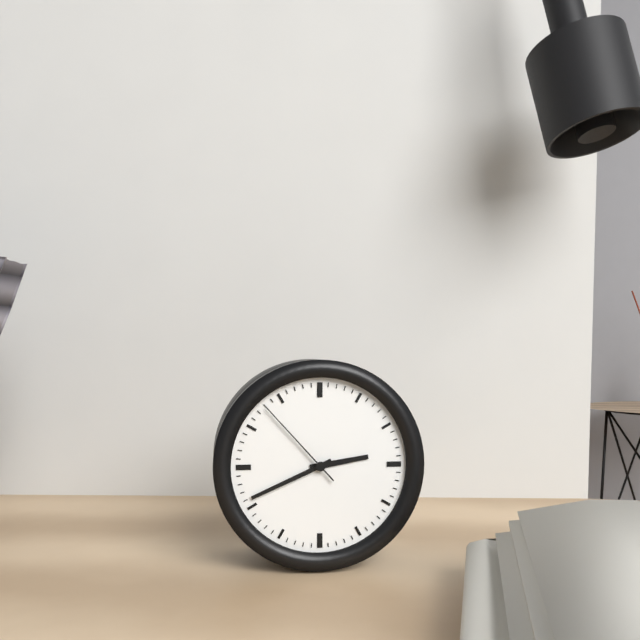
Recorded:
2.41.53
